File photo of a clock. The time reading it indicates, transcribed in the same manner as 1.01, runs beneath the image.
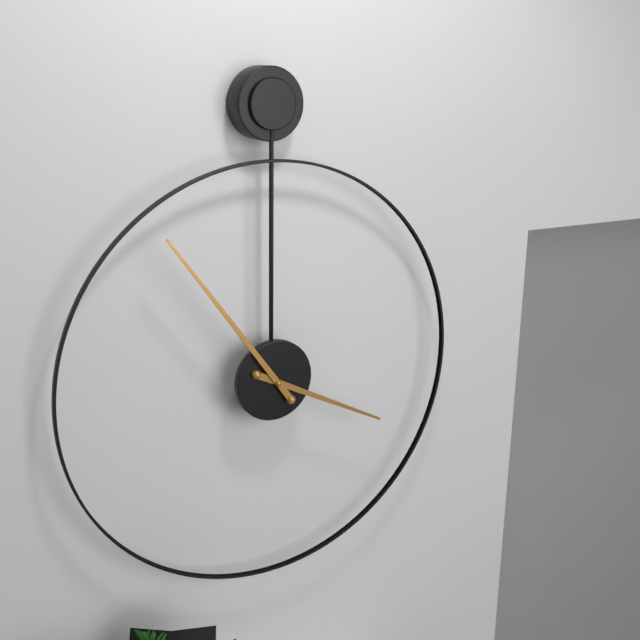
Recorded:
3.54
